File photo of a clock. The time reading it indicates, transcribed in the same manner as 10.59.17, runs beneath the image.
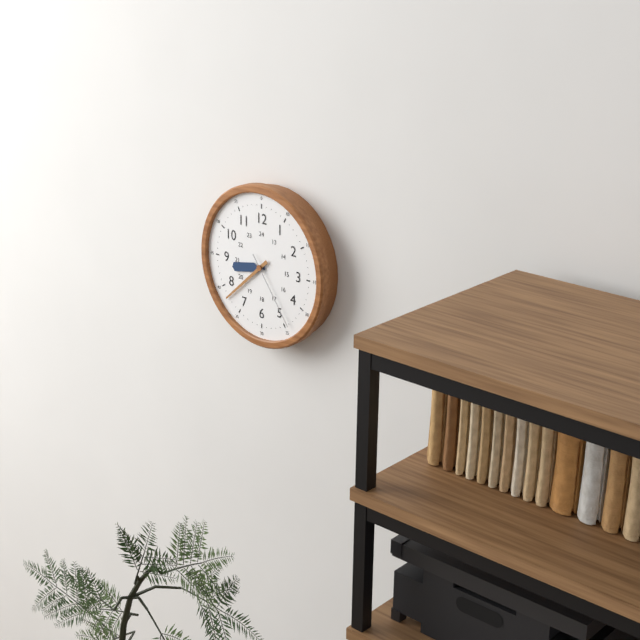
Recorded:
8.38.24
